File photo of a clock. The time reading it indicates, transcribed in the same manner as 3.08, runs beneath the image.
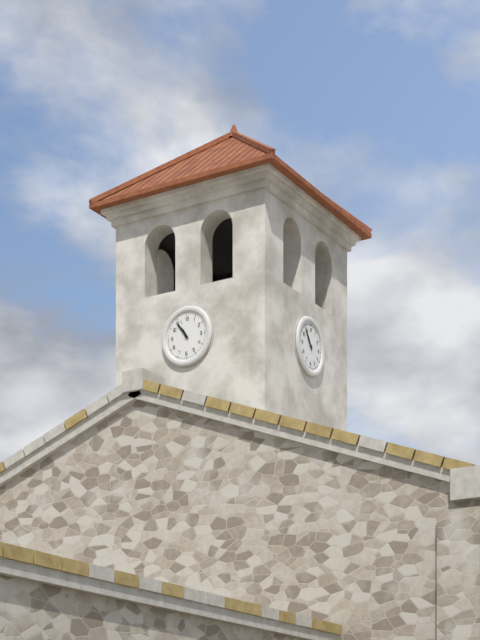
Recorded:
10.54
